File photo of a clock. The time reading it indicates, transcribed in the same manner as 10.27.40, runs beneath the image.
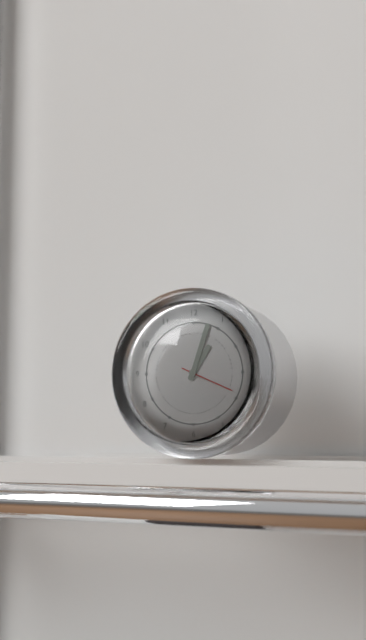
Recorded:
1.03.19
